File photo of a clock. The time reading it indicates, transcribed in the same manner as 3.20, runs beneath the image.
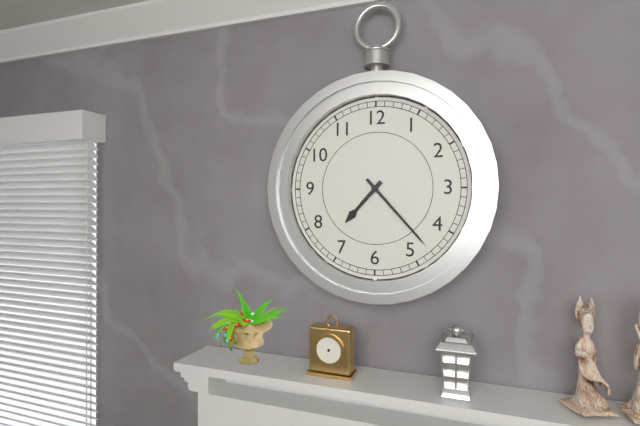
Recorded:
7.23
